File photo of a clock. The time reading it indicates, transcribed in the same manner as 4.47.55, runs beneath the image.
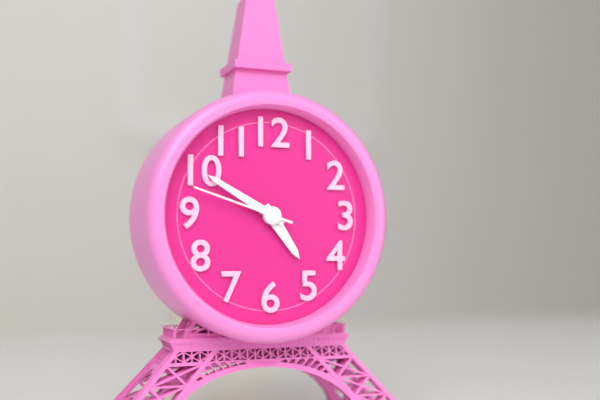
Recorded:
4.50.48
